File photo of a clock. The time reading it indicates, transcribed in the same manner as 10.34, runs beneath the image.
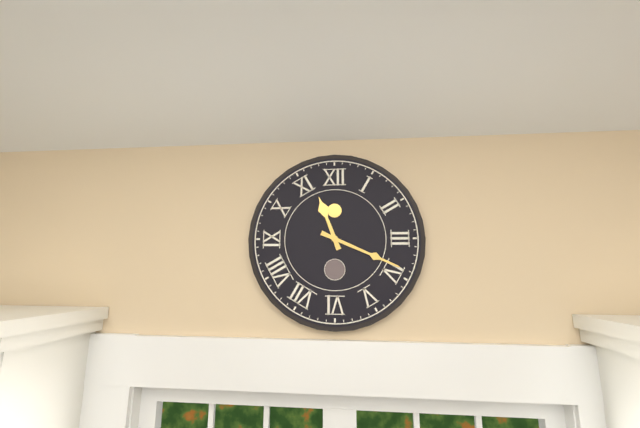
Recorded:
11.19
